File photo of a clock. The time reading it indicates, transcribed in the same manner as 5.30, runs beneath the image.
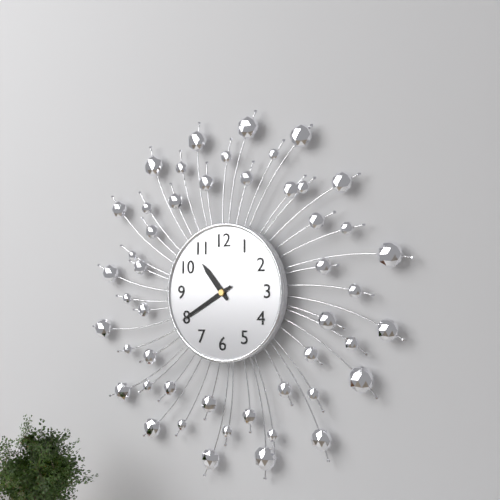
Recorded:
10.40
